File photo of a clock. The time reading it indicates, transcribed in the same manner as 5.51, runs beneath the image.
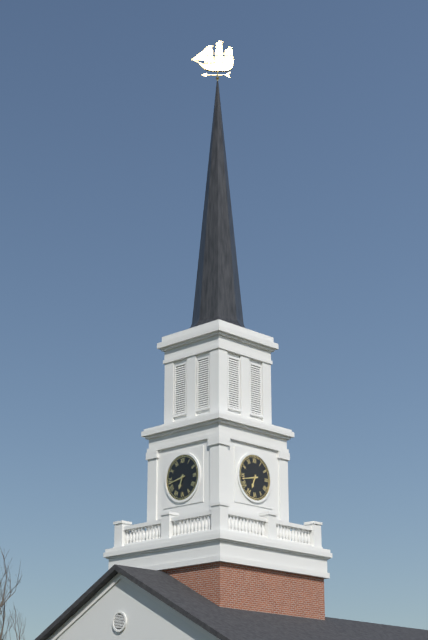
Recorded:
6.43
